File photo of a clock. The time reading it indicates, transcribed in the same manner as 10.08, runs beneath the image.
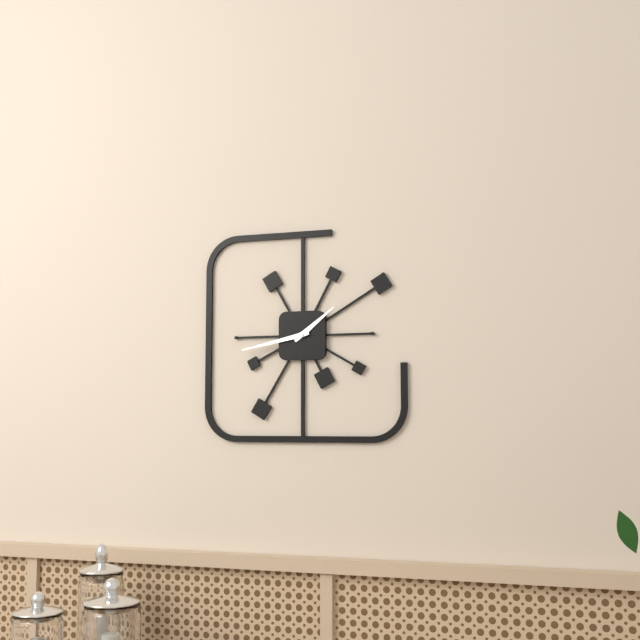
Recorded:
1.43
